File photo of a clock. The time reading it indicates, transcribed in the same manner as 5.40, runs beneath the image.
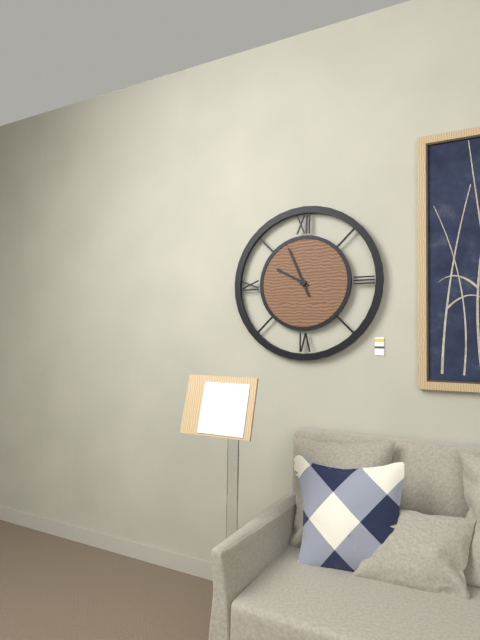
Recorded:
9.56
